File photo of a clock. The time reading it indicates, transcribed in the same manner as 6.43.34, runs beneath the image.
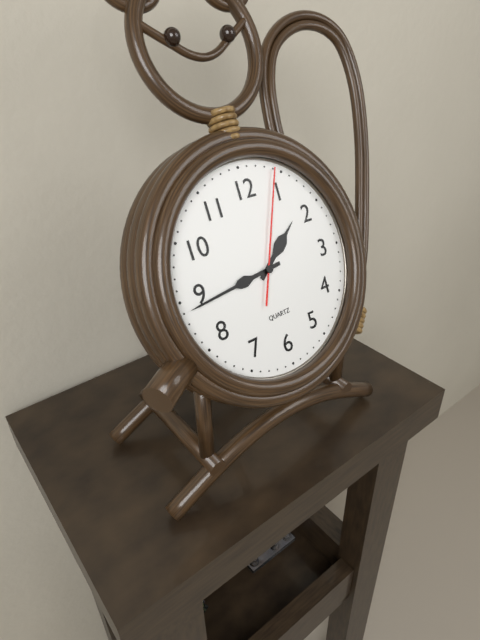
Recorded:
1.44.04
